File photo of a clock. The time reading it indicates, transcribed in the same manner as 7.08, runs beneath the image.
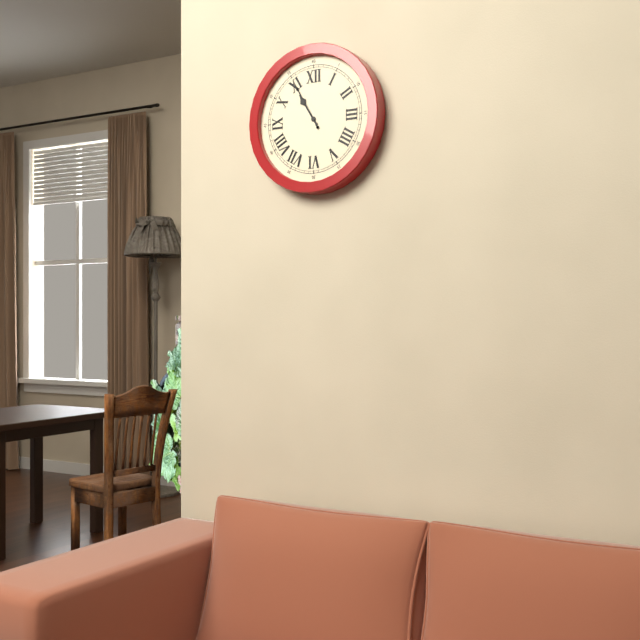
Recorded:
10.55
